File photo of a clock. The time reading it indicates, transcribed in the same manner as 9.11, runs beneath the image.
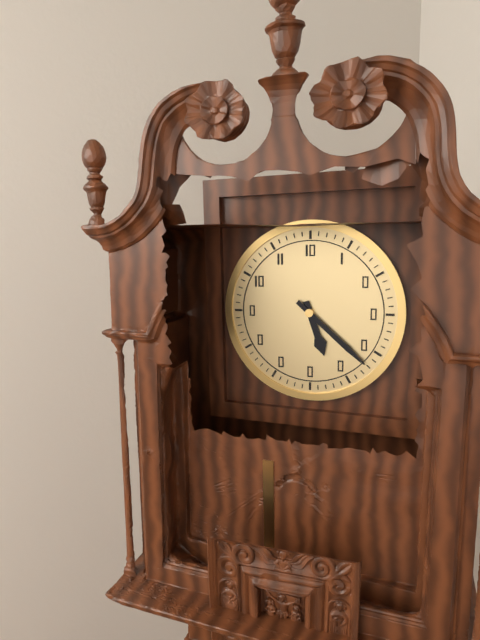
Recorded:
5.22
